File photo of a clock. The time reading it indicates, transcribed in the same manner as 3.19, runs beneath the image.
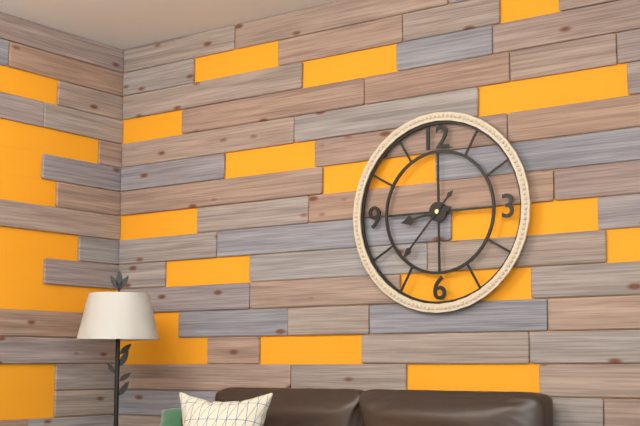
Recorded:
8.37
